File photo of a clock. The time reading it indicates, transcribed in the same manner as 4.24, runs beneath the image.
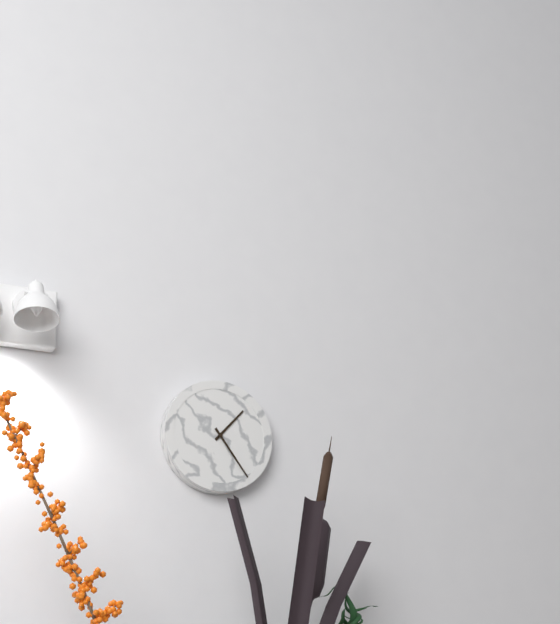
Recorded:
1.24
